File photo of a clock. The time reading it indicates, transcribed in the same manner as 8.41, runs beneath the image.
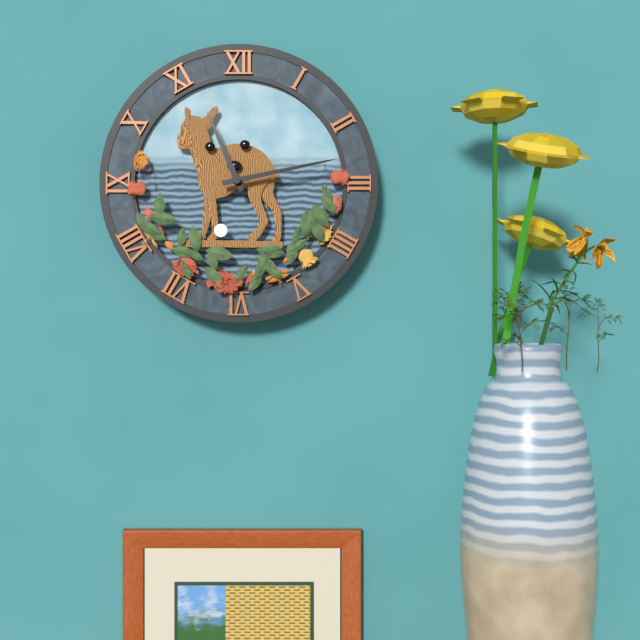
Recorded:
11.13
